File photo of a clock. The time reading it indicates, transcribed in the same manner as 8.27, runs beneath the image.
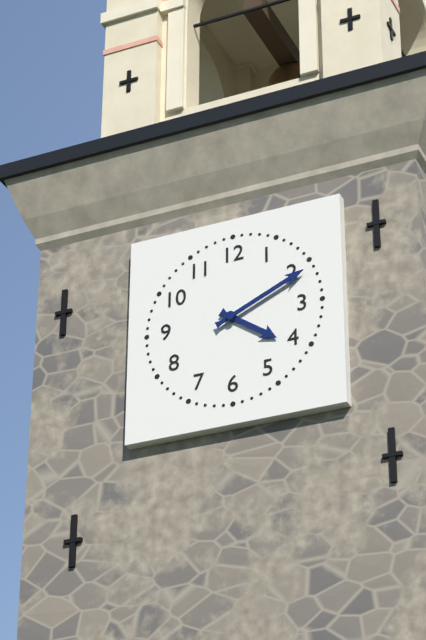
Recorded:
4.11
